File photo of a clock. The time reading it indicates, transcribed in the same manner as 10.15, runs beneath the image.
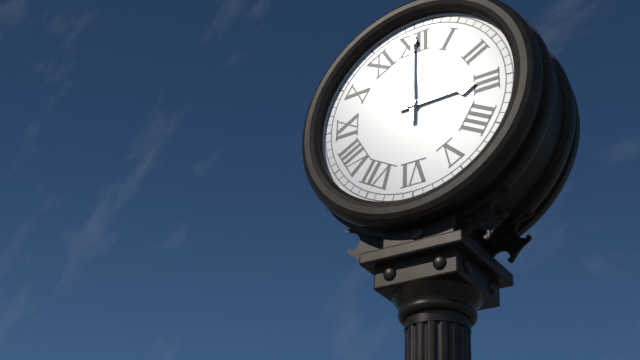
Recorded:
3.00
